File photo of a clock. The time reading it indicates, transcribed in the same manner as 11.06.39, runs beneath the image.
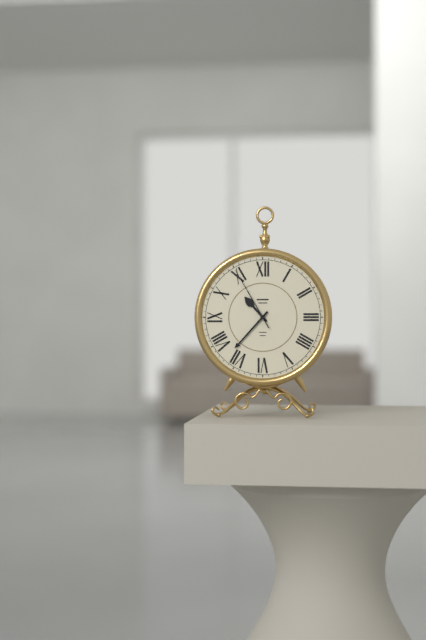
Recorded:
10.37.55
